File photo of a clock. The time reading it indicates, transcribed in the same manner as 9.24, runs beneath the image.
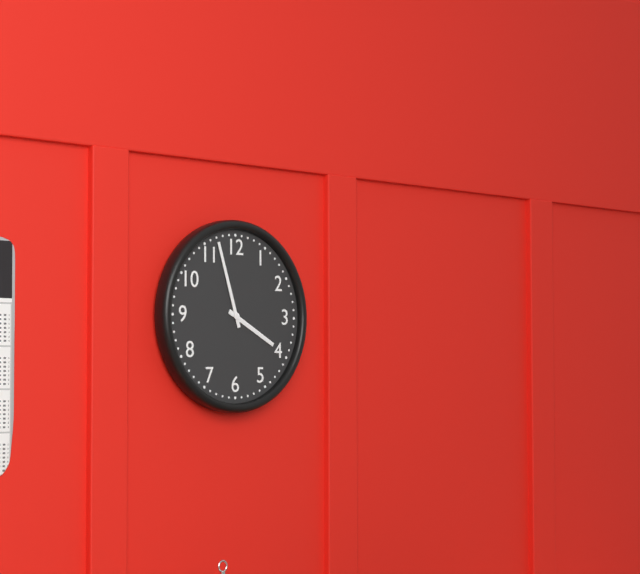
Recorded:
3.57
